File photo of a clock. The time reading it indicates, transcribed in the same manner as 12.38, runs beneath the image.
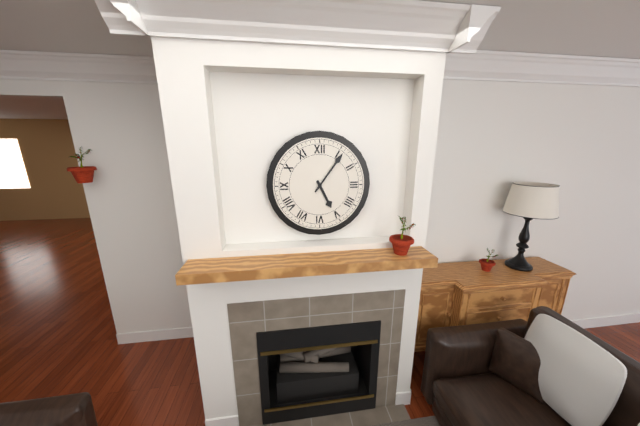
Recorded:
5.06
